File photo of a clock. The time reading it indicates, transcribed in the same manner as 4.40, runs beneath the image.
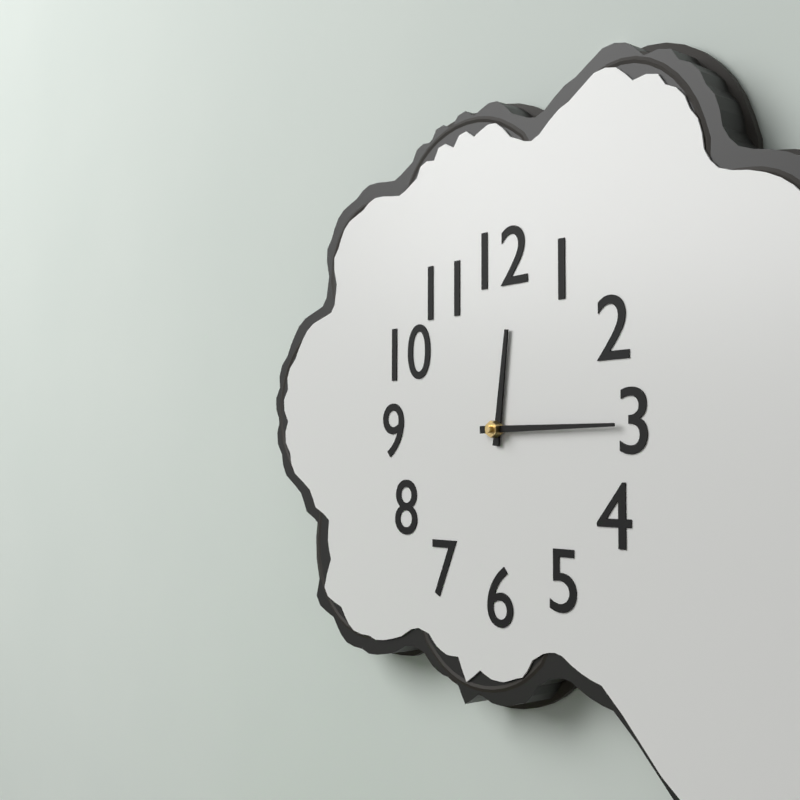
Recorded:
12.15
